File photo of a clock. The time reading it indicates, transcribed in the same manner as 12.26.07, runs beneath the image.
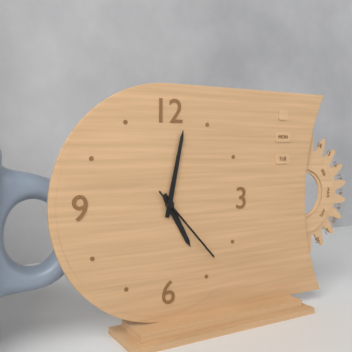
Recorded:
5.02.23
